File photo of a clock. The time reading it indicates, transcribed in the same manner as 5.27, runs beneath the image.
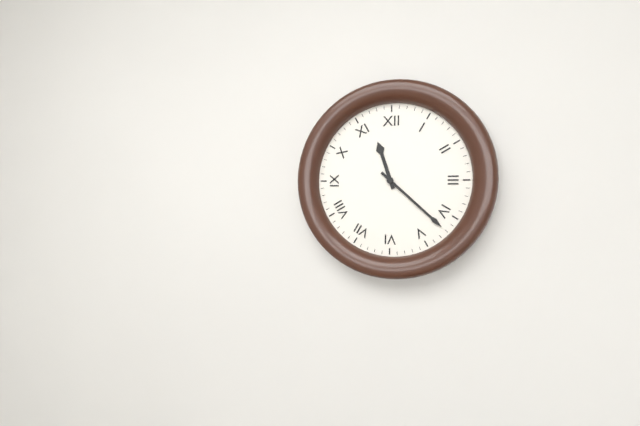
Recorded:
11.22
